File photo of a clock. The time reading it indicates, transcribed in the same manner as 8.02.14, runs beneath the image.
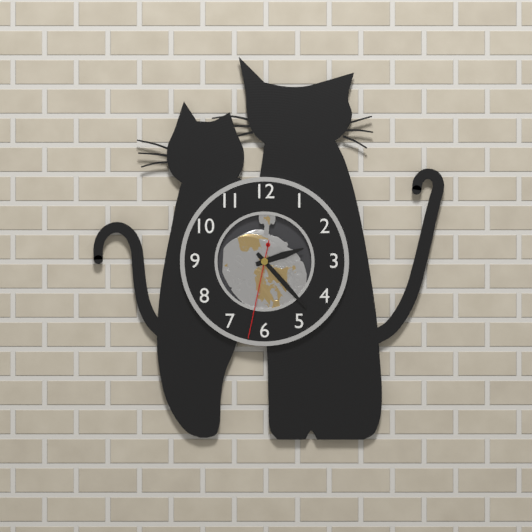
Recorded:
2.23.32
